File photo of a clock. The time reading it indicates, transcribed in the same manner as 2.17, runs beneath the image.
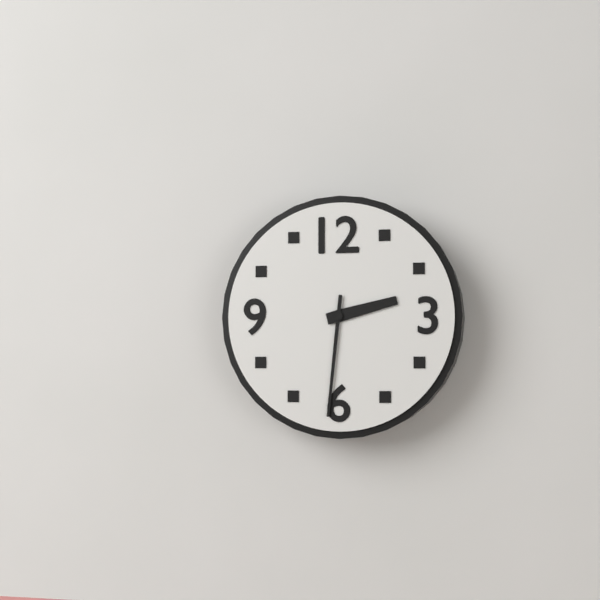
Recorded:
2.31
